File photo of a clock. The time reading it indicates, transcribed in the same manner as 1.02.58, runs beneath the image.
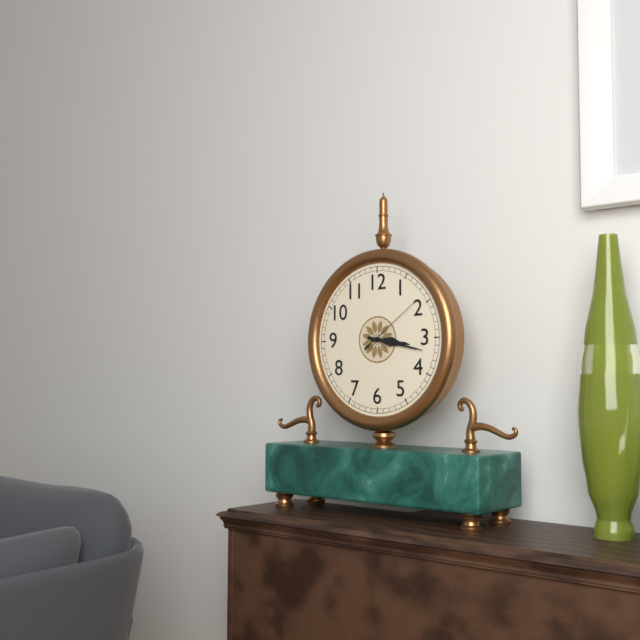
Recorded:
3.17.09
